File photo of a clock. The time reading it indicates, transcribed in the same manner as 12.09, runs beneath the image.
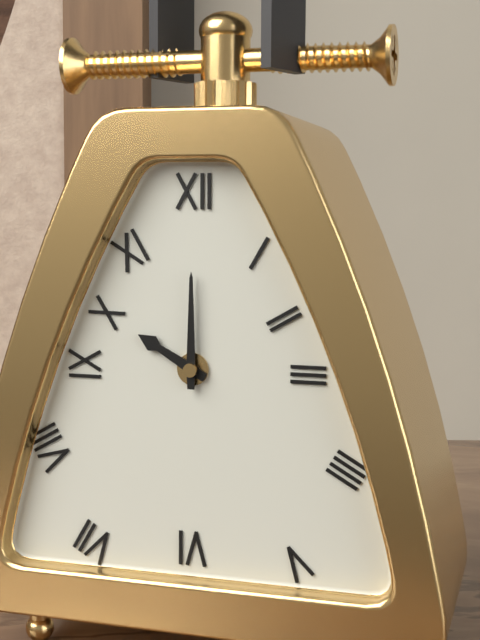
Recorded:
10.00
